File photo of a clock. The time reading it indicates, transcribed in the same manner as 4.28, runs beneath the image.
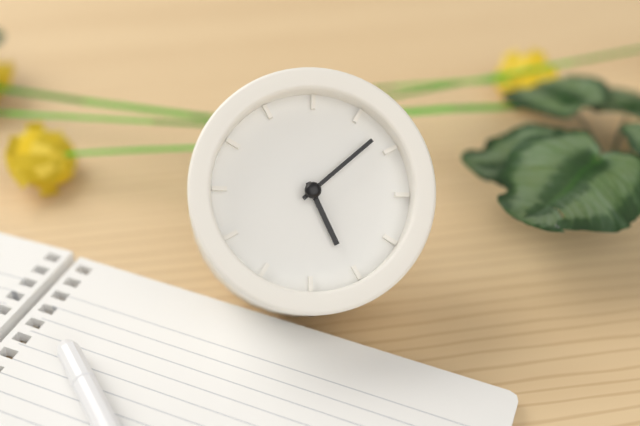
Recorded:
5.08
